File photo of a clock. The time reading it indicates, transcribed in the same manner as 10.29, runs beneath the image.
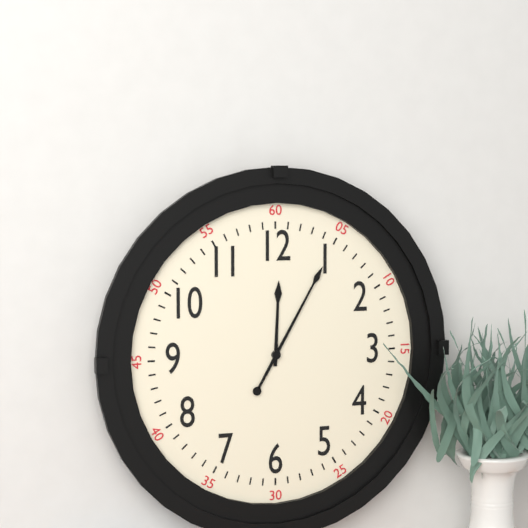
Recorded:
12.05
